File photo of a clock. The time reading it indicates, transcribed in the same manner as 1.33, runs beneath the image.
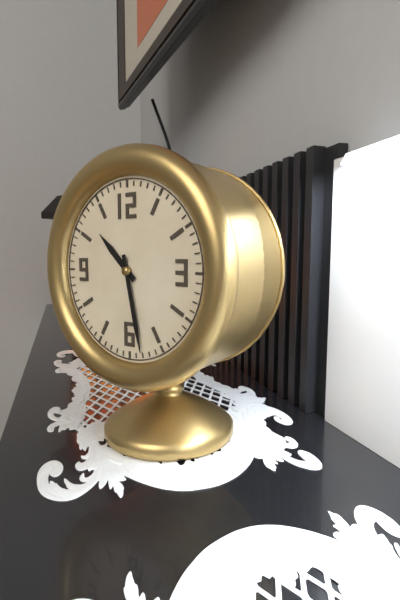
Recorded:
10.28
